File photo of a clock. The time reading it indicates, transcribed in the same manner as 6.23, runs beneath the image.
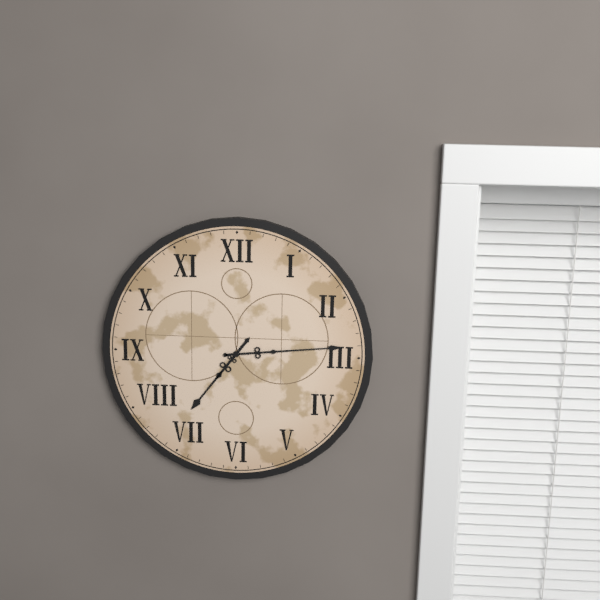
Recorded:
7.14
